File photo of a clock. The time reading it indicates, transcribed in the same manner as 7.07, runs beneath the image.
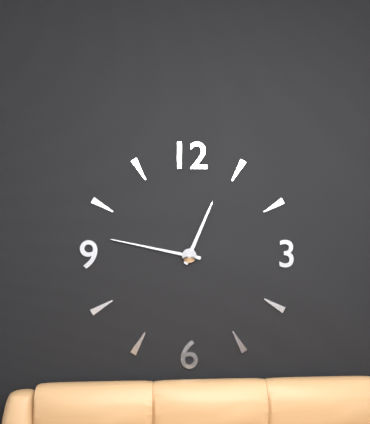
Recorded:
12.47
